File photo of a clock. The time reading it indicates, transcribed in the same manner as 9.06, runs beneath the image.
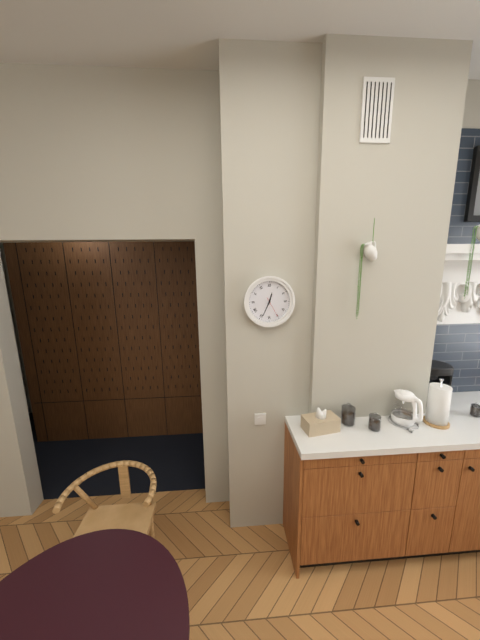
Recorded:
12.34
